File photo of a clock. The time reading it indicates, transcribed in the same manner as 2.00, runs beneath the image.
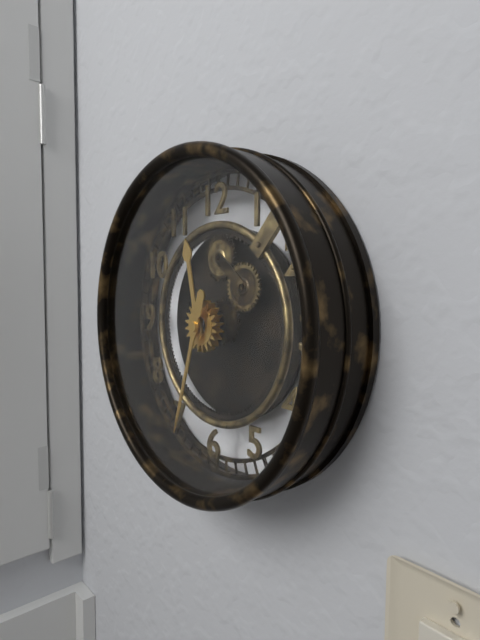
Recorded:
11.33
